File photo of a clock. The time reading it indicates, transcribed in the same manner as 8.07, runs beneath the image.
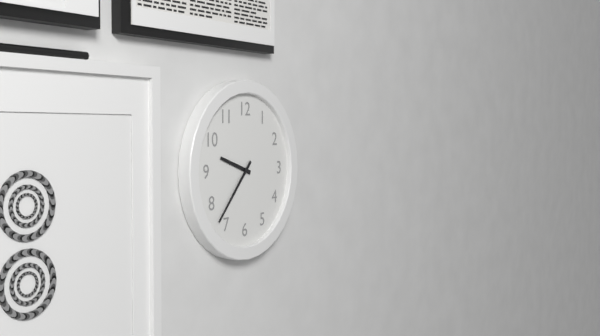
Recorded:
9.37
